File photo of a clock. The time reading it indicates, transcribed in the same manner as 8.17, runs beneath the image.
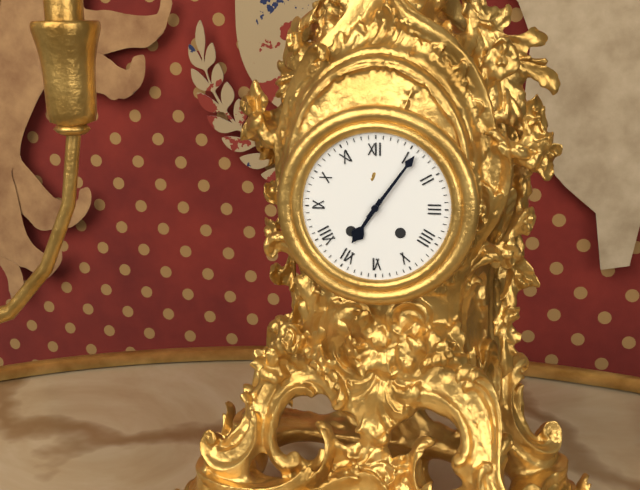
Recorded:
7.06
